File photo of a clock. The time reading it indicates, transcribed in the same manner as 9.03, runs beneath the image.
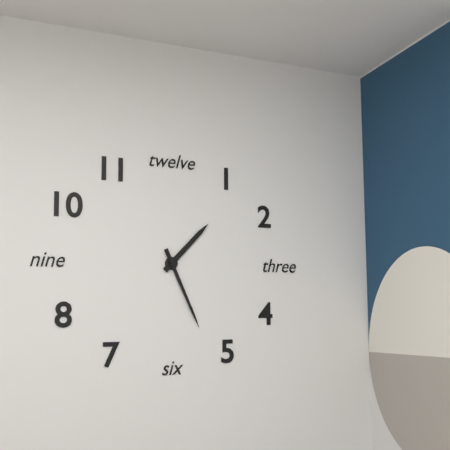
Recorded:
1.26
